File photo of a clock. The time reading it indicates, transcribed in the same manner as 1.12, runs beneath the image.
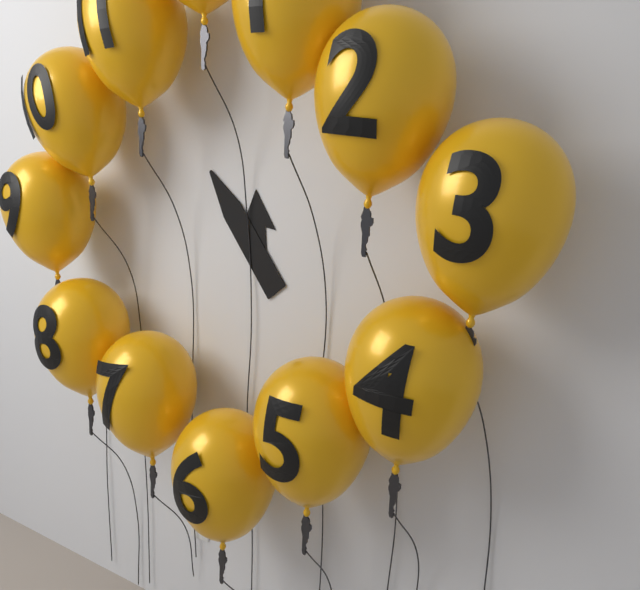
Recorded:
11.54
